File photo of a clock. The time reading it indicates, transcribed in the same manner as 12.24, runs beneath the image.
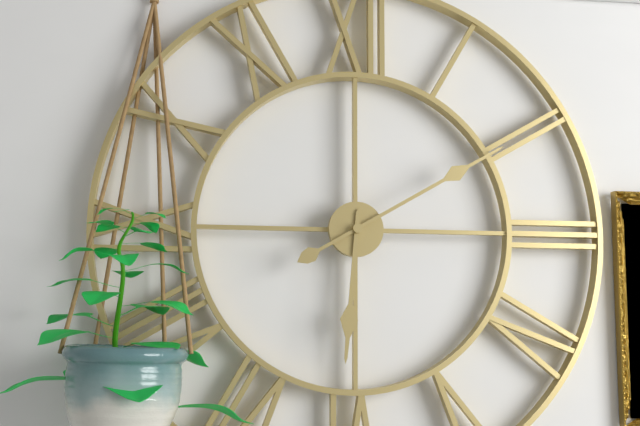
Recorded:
6.10
